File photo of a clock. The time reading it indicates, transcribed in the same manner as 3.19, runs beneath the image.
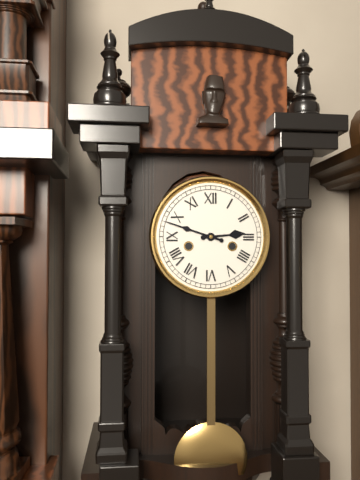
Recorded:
2.48
